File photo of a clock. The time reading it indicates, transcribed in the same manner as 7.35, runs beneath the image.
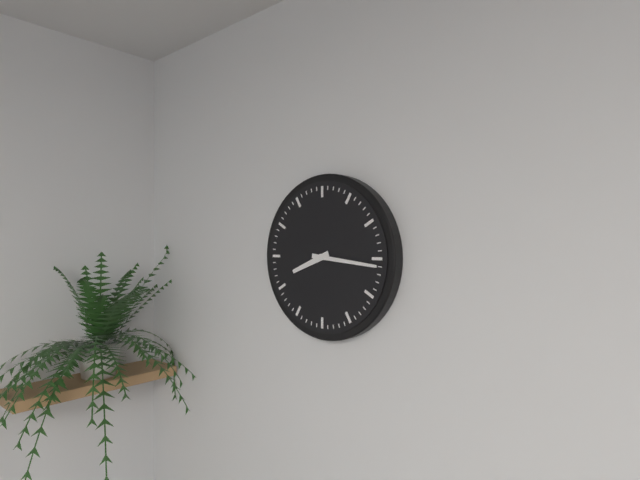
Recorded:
8.16
